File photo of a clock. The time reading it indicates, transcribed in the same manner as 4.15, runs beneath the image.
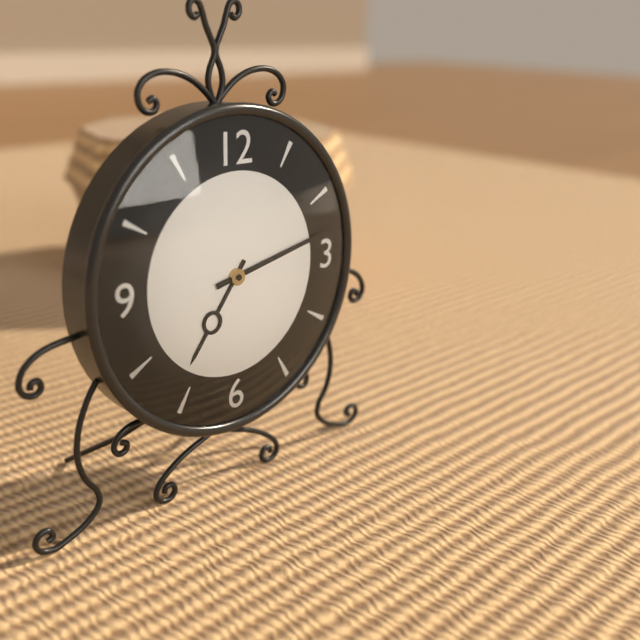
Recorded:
7.13
